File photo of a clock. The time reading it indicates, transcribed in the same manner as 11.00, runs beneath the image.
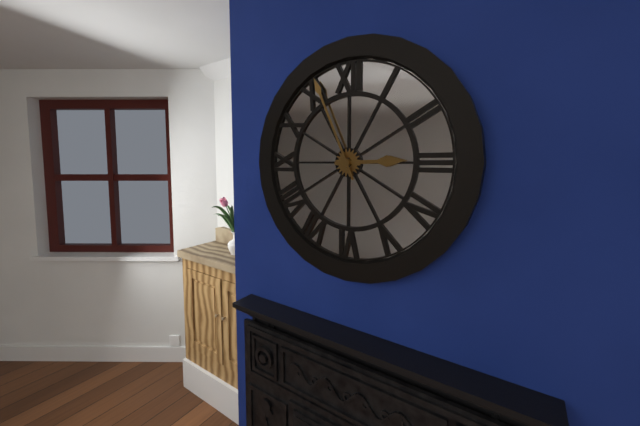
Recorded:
2.56
